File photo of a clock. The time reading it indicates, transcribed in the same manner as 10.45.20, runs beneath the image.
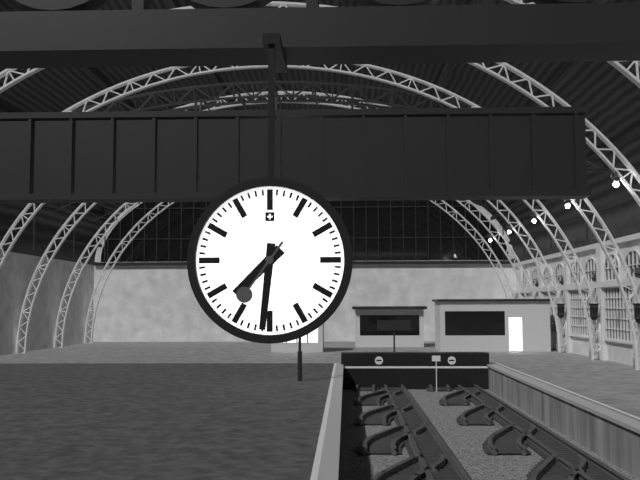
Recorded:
7.31.36
